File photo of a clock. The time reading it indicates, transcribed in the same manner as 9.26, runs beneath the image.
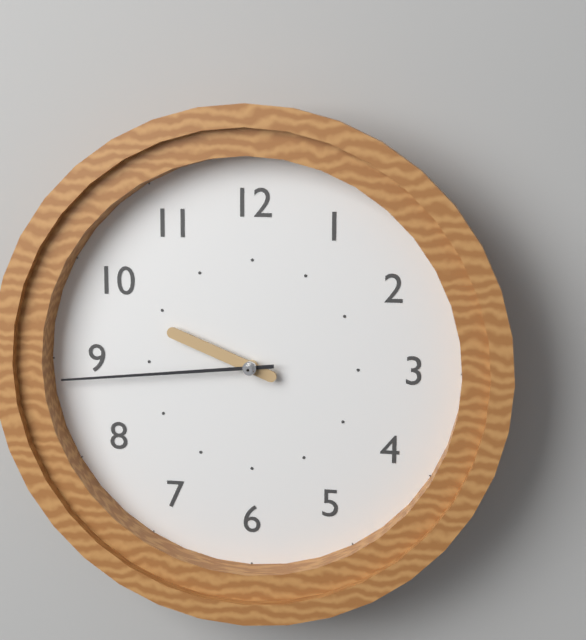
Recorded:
9.44
